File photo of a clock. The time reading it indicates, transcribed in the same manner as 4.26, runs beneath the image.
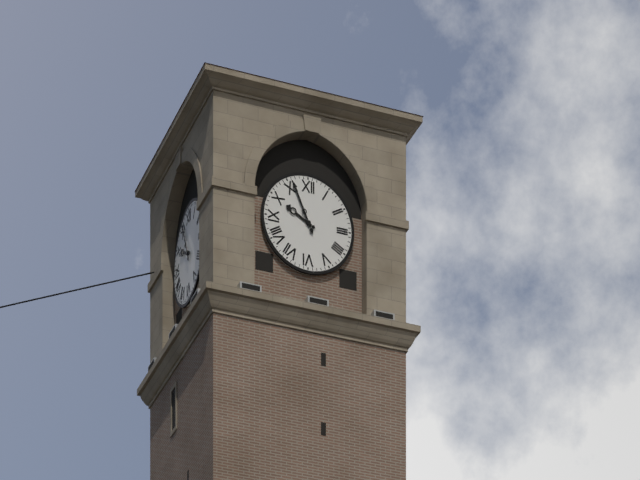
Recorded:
9.56
